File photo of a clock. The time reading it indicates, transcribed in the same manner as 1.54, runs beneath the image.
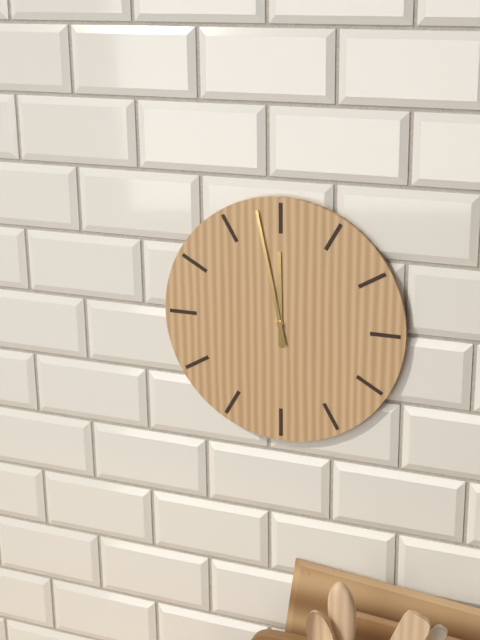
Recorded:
11.58
